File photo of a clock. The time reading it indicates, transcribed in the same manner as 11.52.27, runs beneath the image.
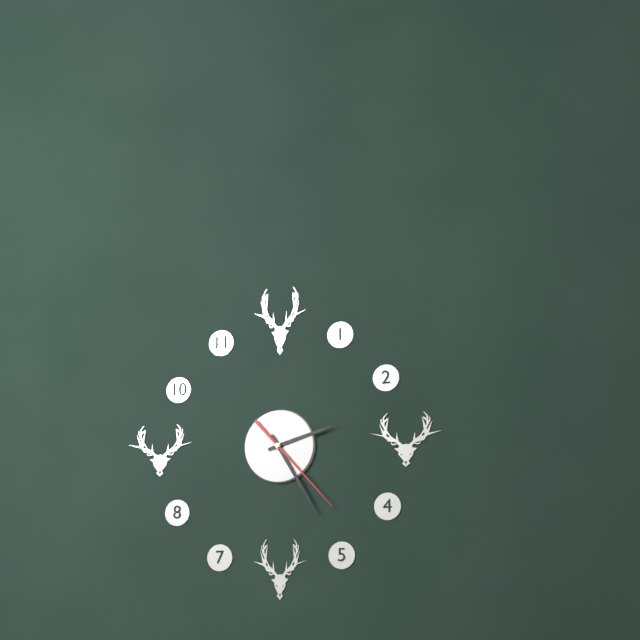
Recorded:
2.25.23
